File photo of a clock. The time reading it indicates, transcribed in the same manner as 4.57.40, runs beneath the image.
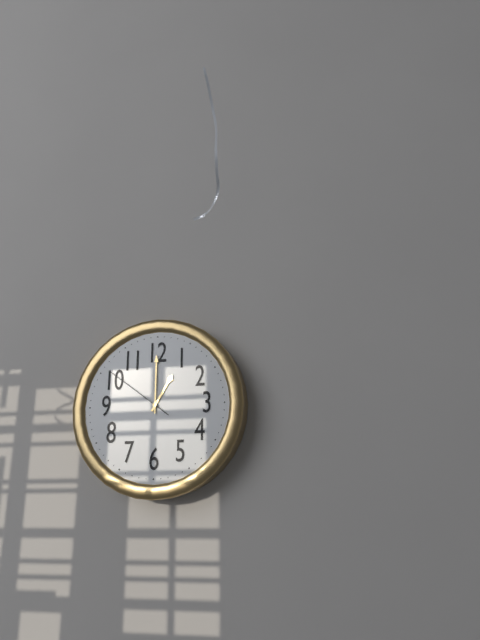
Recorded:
1.00.51
